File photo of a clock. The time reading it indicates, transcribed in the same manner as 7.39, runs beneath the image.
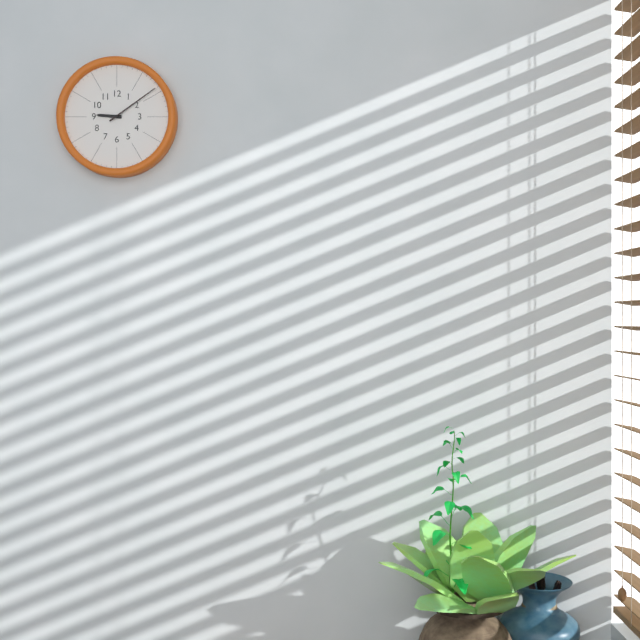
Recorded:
9.09
